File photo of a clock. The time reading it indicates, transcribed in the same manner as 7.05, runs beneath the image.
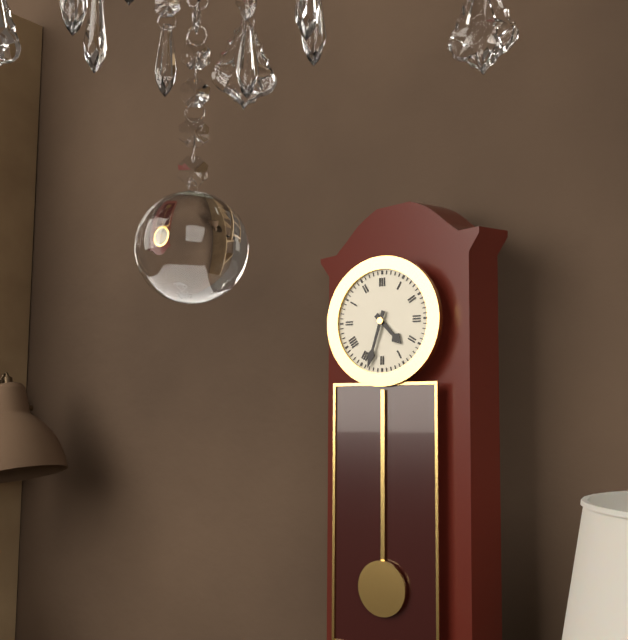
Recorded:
4.33
